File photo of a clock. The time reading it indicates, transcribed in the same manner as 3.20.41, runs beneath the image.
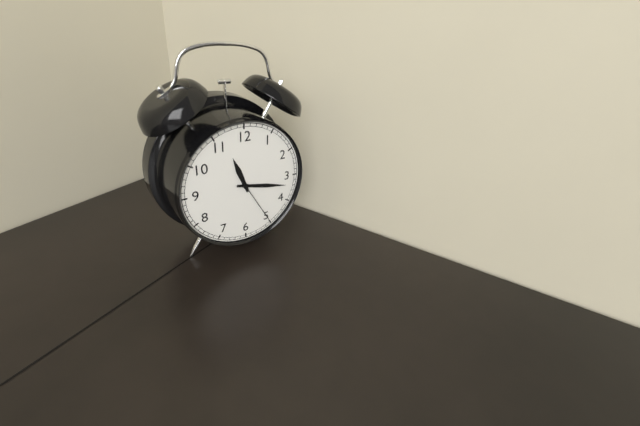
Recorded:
11.17.25
